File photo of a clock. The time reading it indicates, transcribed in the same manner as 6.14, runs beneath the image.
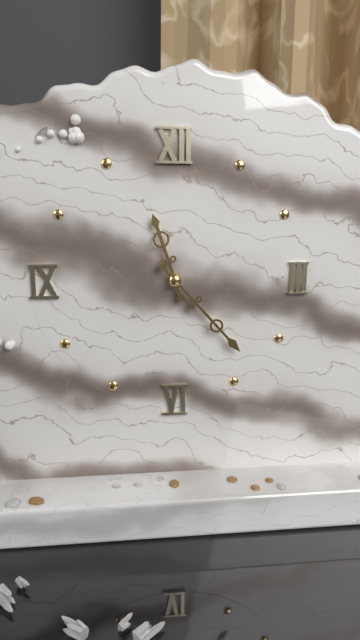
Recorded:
11.23
